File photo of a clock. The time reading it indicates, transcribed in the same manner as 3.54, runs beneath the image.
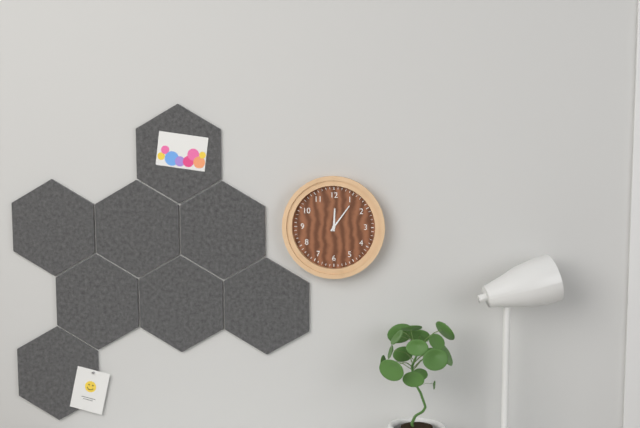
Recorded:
12.06
